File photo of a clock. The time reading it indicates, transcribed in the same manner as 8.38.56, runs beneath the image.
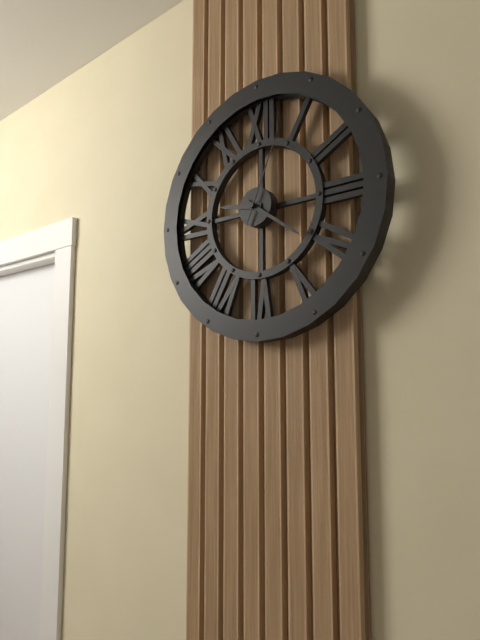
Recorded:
9.21.04
